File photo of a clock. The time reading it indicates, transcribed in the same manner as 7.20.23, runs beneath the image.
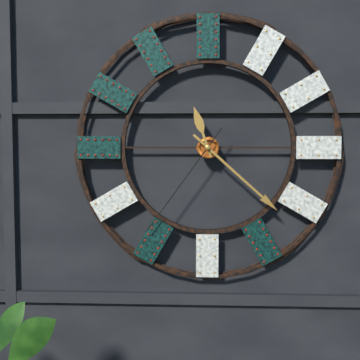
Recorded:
11.22.36
